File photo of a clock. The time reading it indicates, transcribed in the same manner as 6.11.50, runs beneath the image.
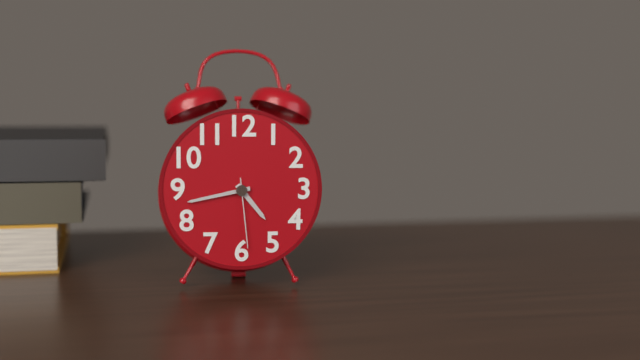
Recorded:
4.43.29
